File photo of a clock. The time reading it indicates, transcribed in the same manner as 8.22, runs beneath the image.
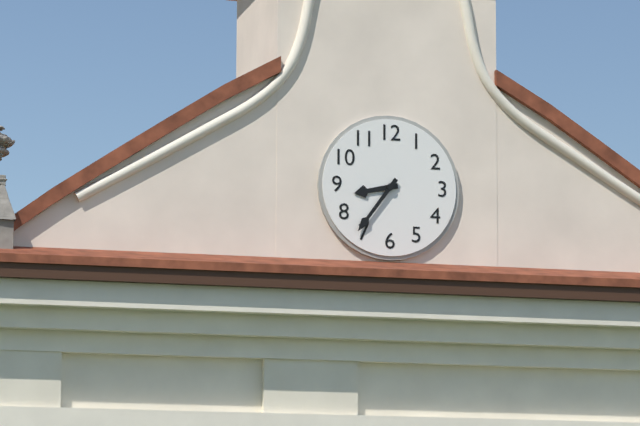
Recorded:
8.36
